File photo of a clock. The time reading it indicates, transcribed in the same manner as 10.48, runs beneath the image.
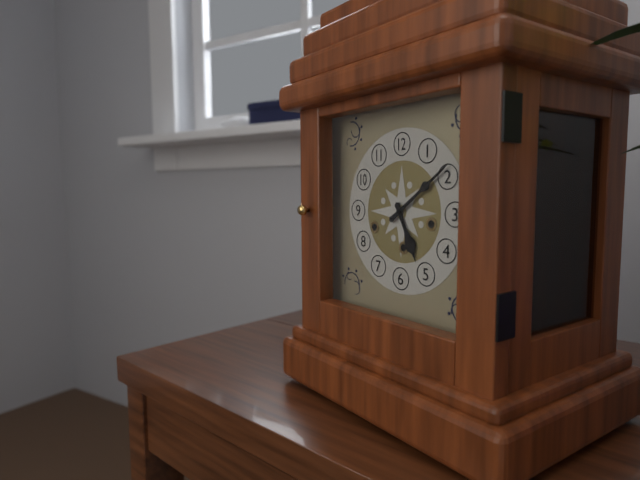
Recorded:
5.09
